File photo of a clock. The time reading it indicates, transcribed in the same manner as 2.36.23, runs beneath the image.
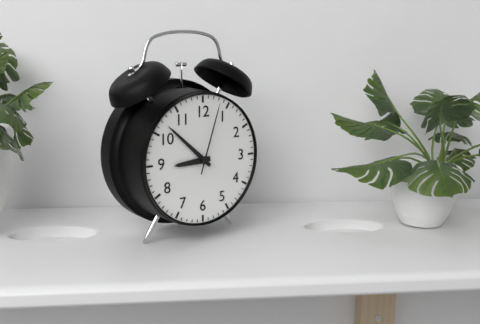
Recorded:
8.52.03
